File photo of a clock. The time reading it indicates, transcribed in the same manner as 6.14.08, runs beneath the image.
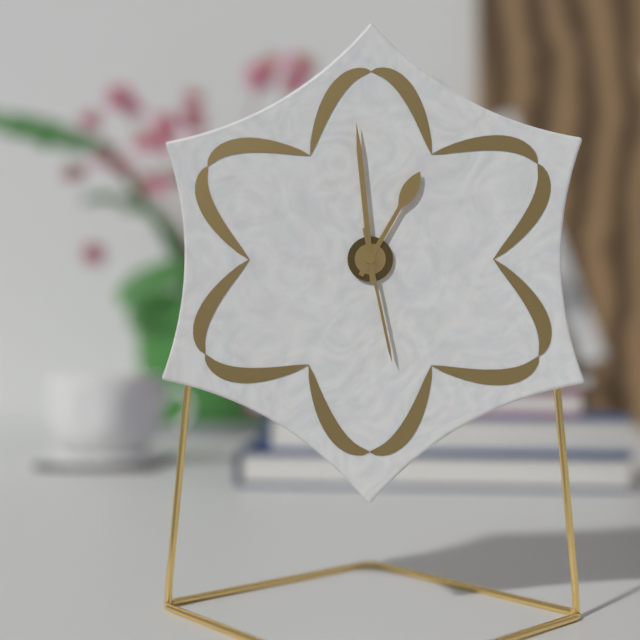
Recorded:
12.59.28
